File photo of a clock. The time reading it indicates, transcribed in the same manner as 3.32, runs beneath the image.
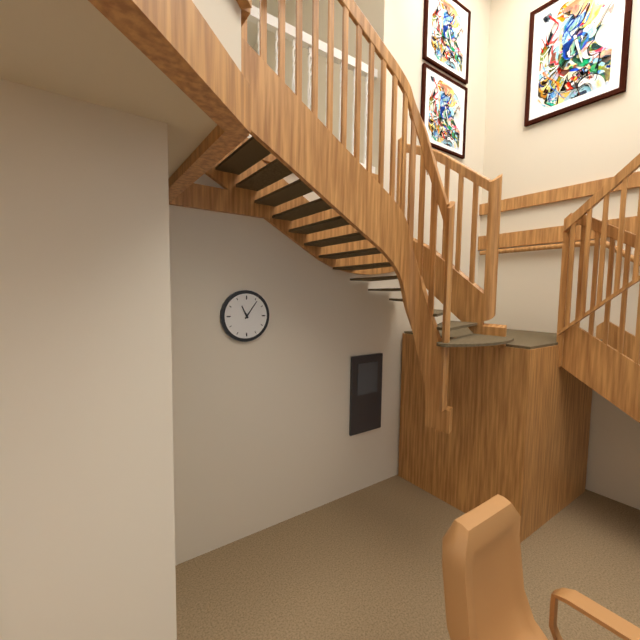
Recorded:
11.06
